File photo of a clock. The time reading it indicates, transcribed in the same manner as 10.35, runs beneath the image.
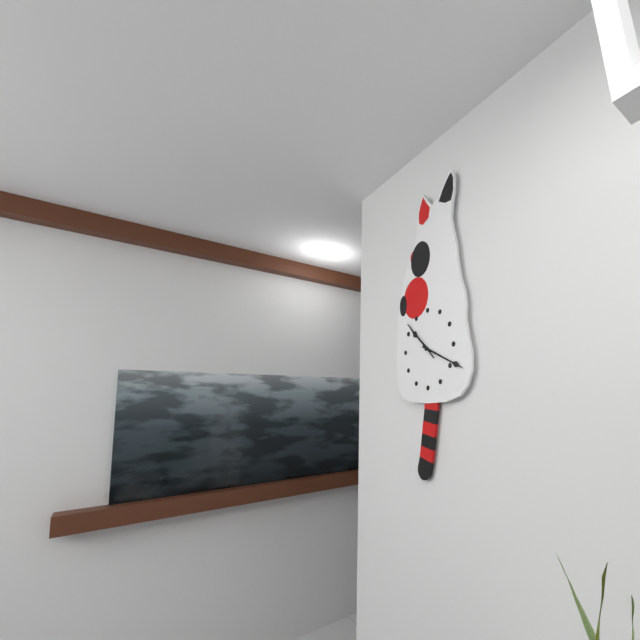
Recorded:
10.19
